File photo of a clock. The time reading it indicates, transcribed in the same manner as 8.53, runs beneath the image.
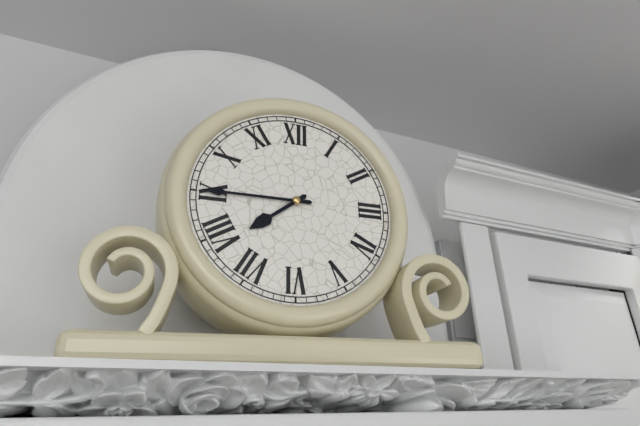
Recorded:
7.45
